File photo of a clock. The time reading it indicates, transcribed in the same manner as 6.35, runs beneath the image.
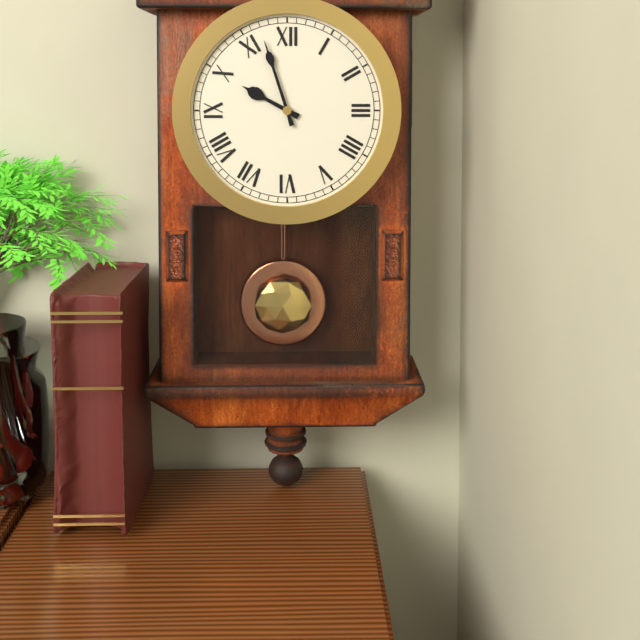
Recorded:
9.57
